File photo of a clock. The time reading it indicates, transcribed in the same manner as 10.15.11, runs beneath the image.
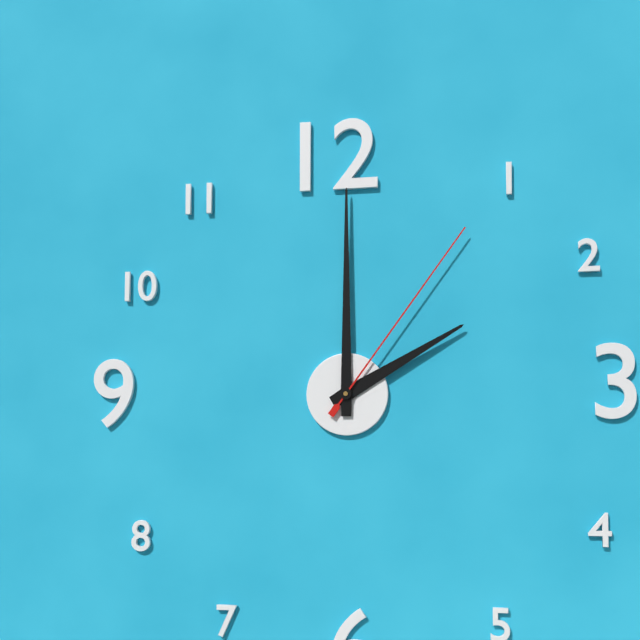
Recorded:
2.00.06
